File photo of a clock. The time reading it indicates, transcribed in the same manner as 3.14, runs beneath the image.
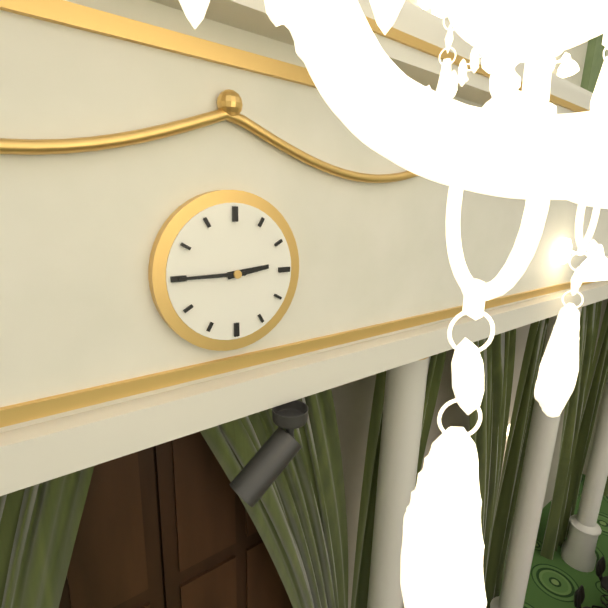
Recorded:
2.45
